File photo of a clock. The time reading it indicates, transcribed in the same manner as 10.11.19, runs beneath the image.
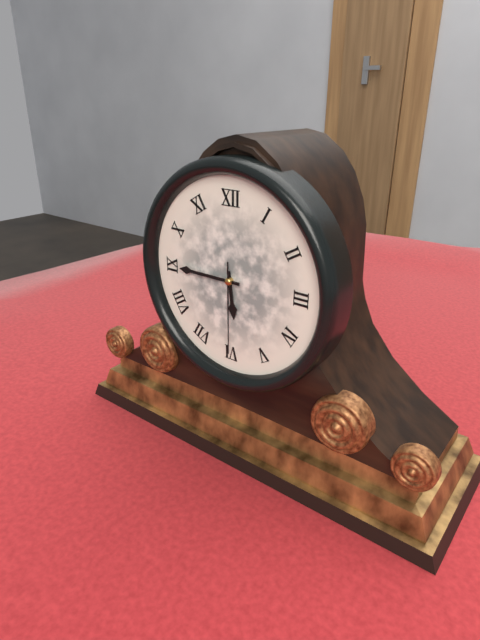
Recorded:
5.45.30
